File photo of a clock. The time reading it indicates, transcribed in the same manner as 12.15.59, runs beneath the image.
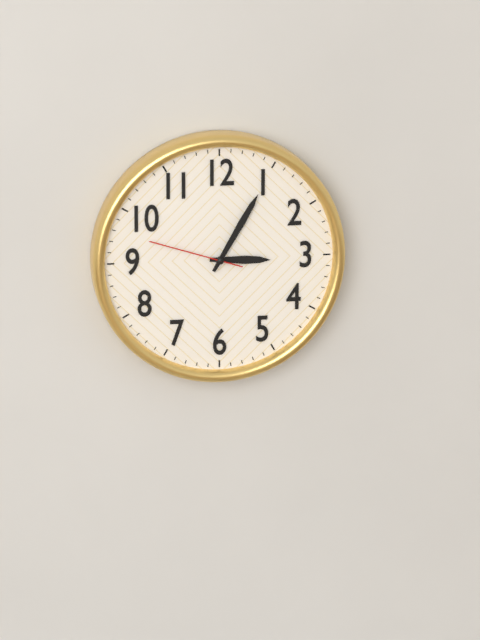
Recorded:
3.05.48
